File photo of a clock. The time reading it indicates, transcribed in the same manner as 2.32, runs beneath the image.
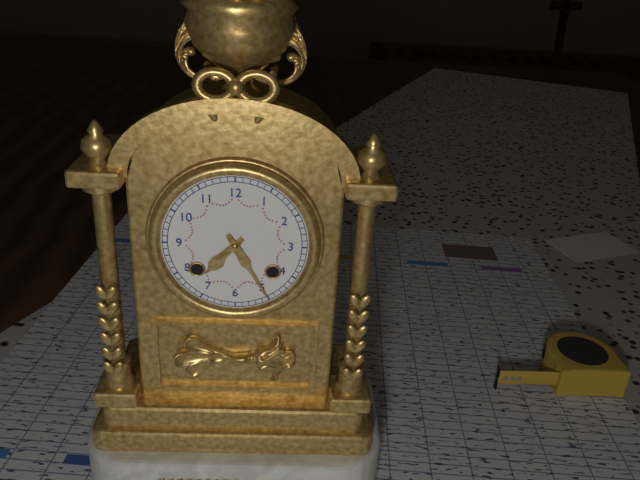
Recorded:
7.25
